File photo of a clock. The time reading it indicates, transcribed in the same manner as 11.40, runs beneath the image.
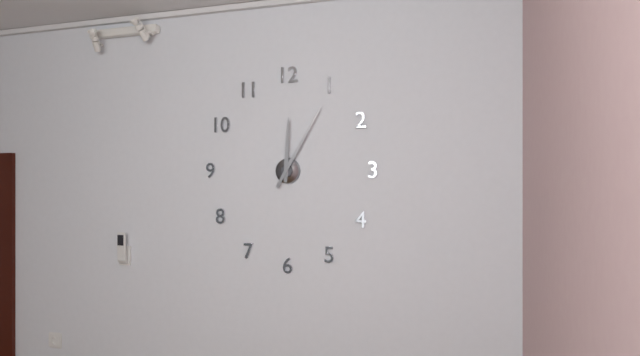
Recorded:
12.05
